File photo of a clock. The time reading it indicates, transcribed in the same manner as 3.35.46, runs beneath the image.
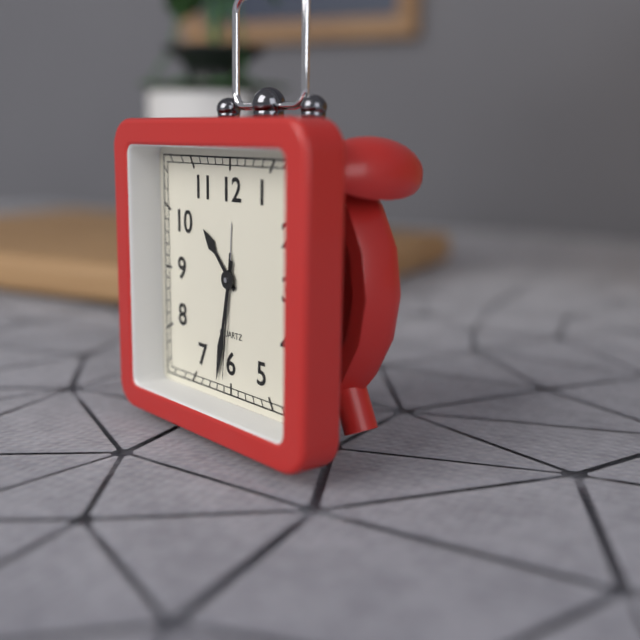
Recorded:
10.32.31
